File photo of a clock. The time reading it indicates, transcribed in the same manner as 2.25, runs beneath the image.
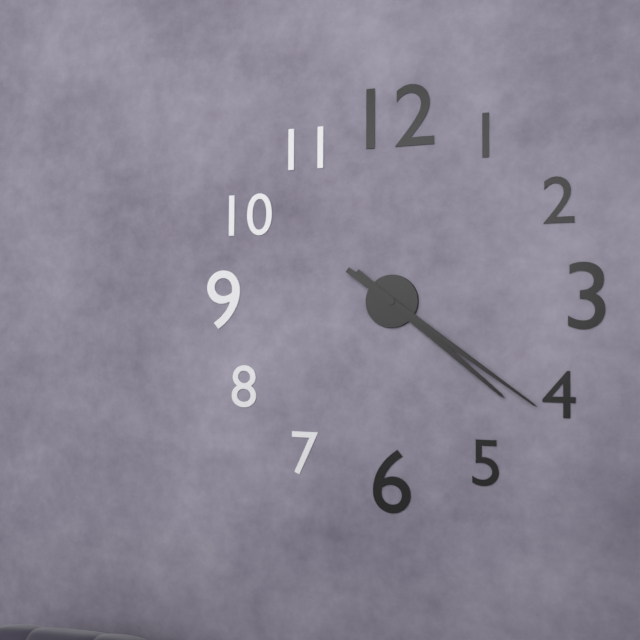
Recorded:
4.21
